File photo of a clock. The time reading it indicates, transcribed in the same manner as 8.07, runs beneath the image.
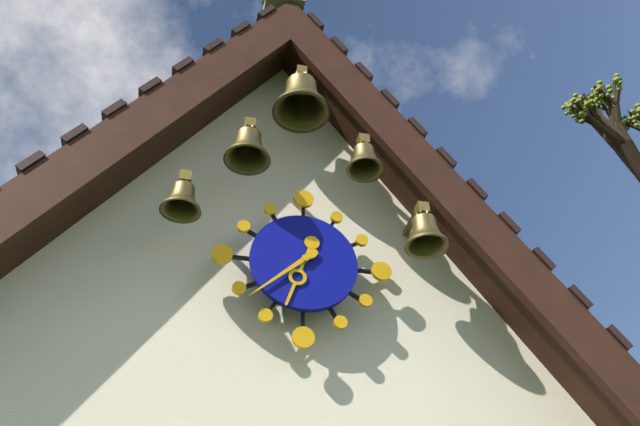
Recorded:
6.38
